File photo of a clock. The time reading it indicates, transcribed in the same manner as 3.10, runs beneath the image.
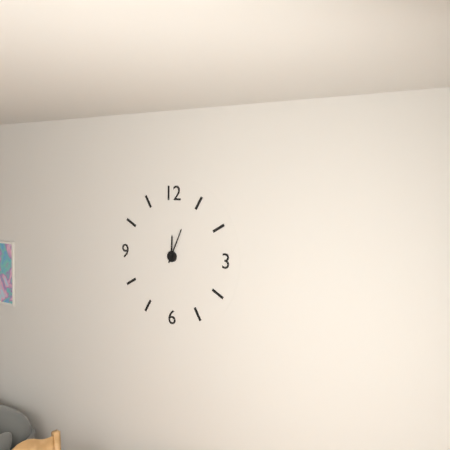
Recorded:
12.04
